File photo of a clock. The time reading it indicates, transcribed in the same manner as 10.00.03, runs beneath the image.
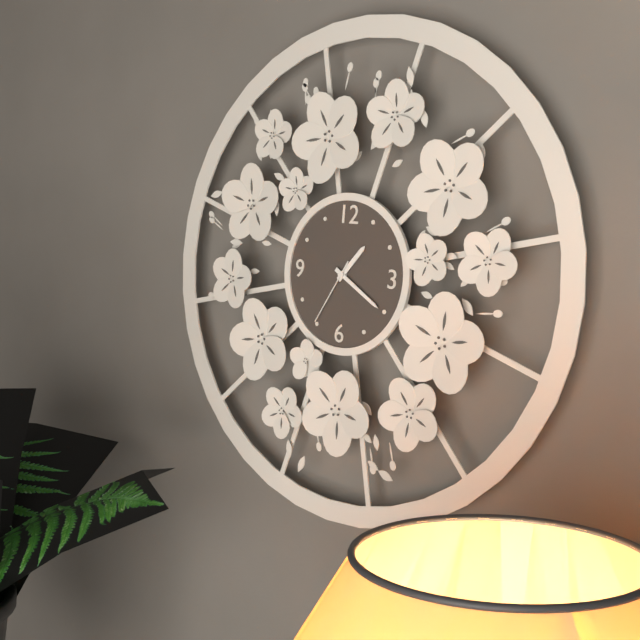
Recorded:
1.20.35
